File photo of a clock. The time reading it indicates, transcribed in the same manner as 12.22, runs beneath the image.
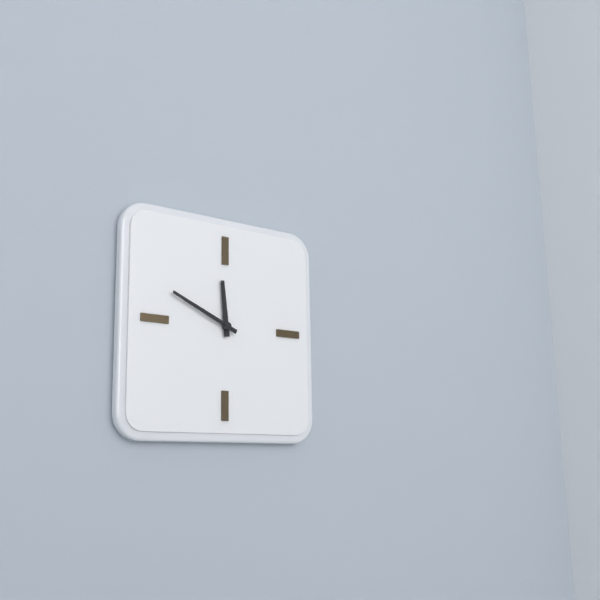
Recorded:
11.49
